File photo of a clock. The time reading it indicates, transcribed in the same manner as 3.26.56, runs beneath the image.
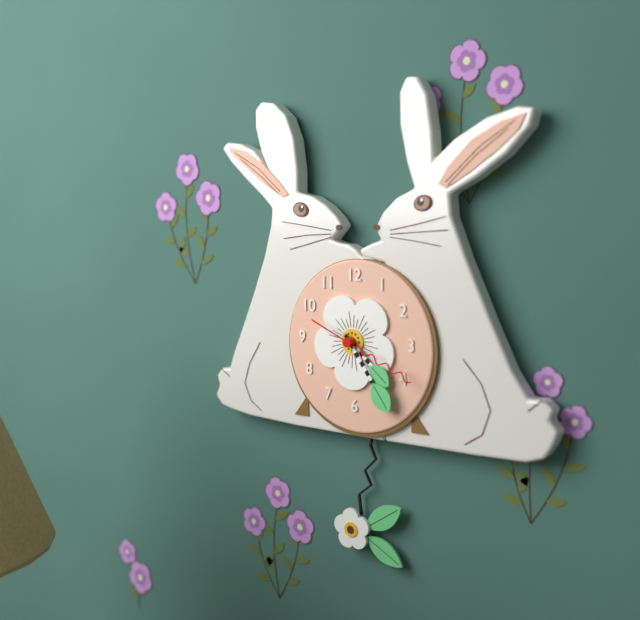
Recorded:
4.24.19
